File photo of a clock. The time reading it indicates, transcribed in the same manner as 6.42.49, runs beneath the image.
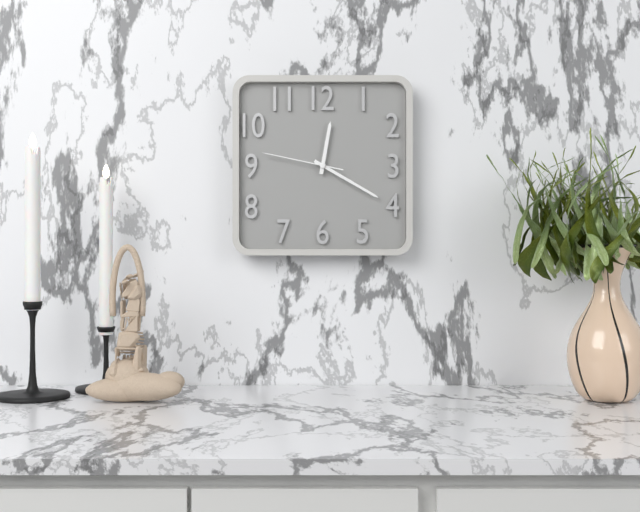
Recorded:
12.20.47
